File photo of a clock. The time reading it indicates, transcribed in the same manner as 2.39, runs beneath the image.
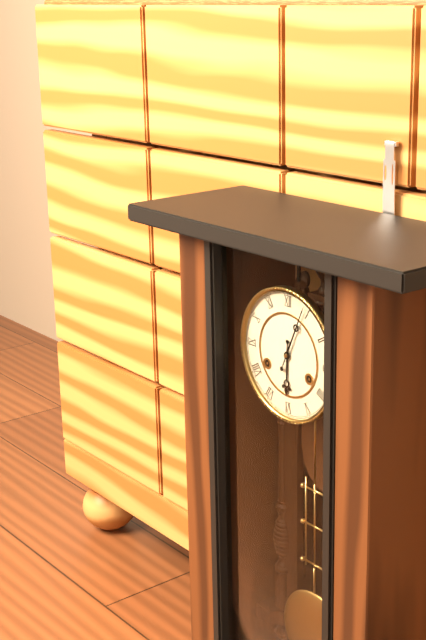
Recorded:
6.04
